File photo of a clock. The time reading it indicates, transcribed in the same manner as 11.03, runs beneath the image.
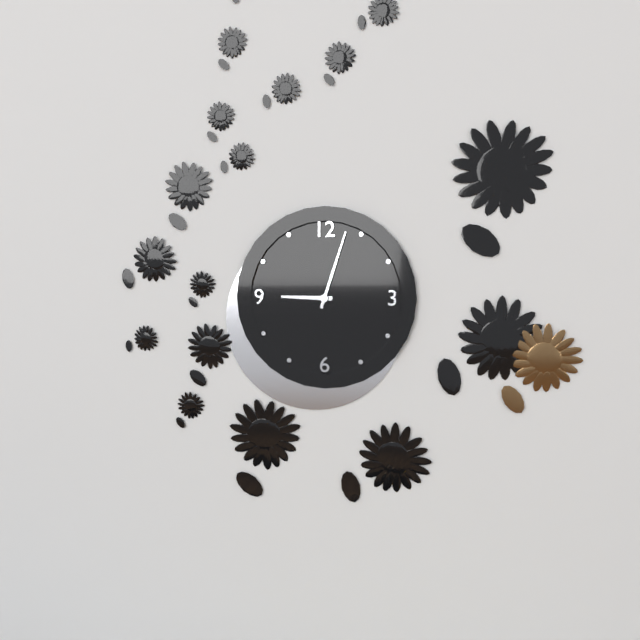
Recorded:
9.03
